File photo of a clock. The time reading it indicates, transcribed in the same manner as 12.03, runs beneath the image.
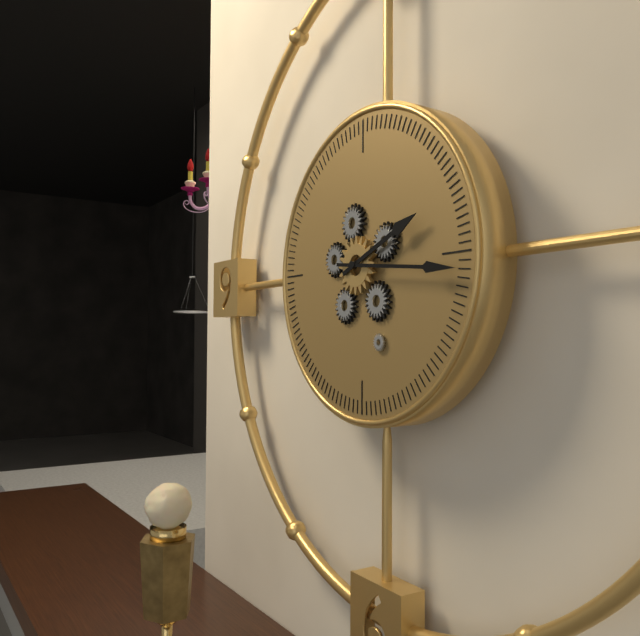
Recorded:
2.16
